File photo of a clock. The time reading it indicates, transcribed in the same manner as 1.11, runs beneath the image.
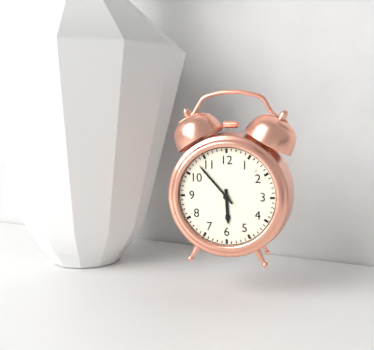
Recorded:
5.53
